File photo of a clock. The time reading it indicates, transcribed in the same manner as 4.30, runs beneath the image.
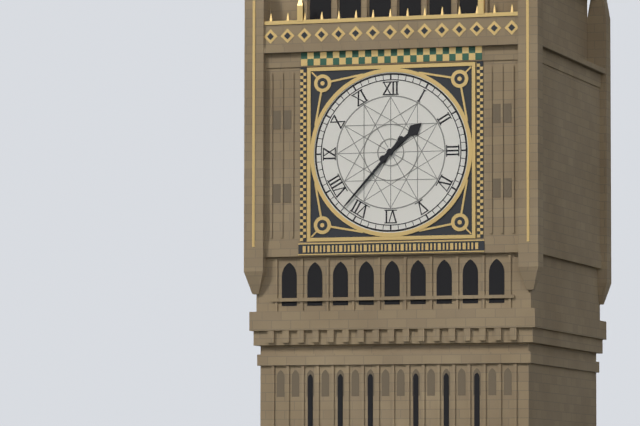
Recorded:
1.37
